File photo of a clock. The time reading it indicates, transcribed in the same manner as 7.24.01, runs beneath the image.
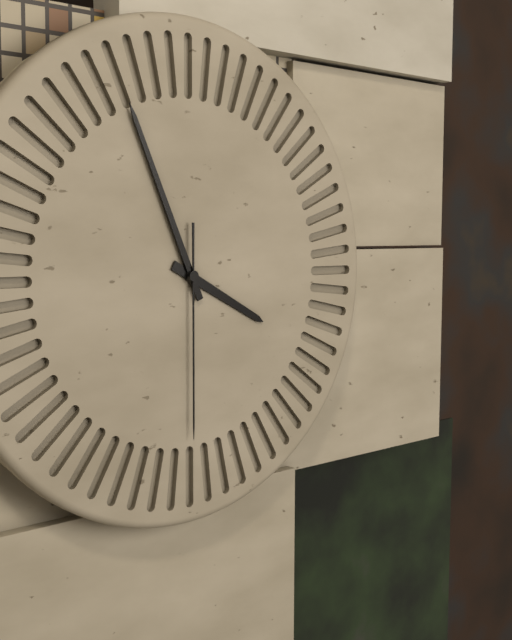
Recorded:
3.56.30
